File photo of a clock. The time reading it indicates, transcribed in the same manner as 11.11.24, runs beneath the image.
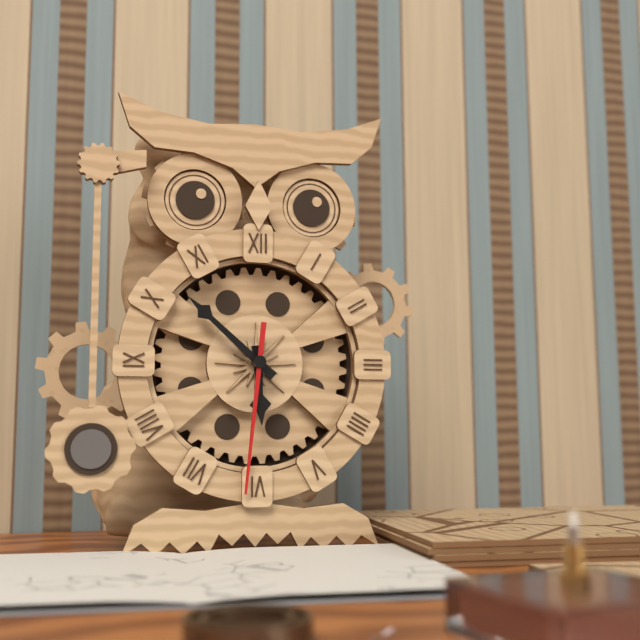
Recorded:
5.52.31
